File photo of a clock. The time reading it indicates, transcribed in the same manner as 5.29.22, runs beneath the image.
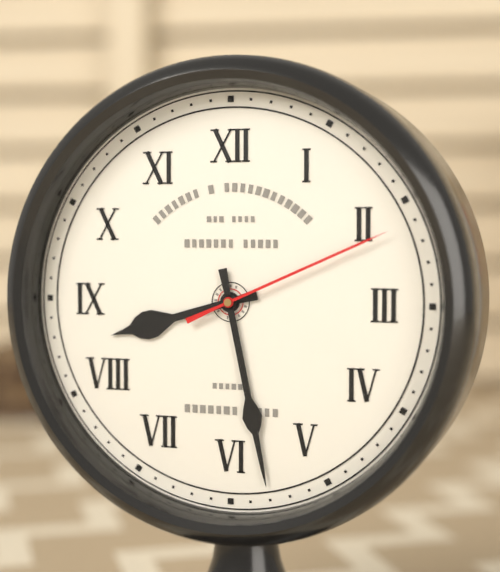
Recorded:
8.28.11
